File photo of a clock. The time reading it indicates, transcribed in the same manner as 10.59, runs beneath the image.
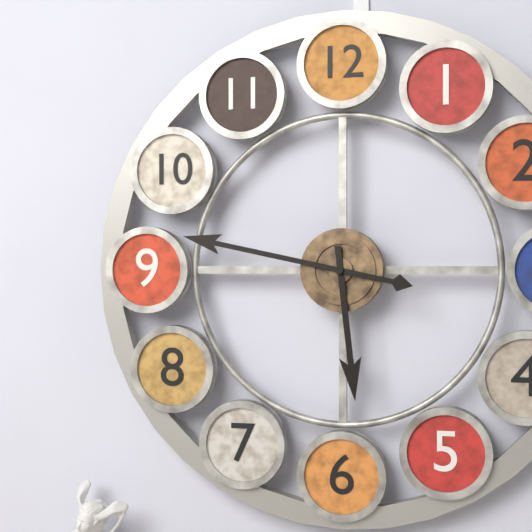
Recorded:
5.47
